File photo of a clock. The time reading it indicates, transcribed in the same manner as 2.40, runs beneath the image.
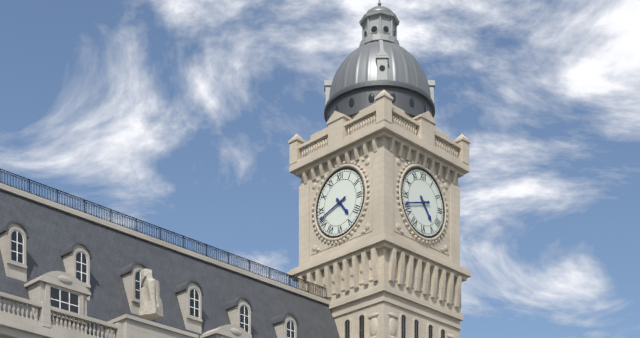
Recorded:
4.42
